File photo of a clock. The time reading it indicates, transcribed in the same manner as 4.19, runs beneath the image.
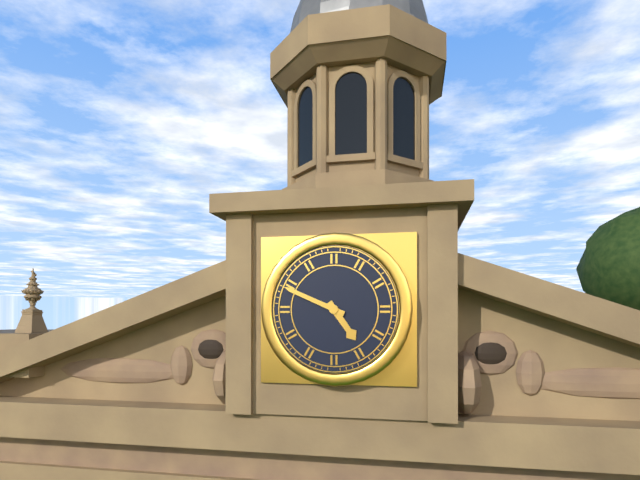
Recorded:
4.49
